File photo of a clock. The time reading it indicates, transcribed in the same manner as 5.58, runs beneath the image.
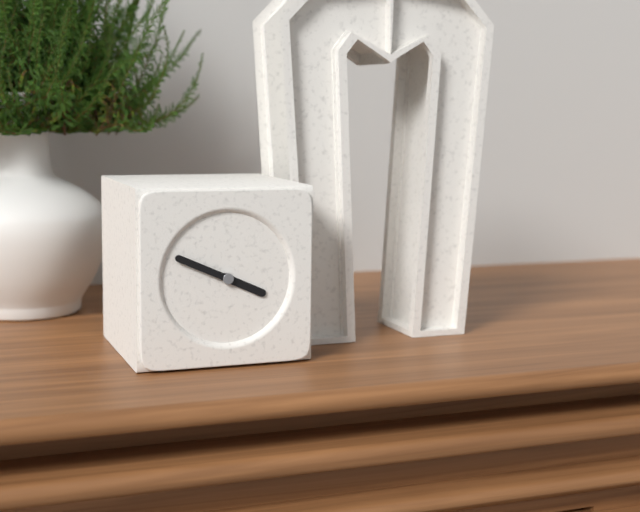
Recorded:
3.49
